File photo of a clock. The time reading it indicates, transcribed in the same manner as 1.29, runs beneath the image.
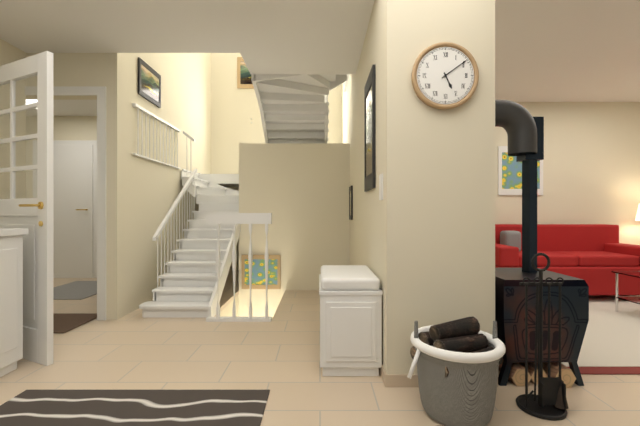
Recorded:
5.09
